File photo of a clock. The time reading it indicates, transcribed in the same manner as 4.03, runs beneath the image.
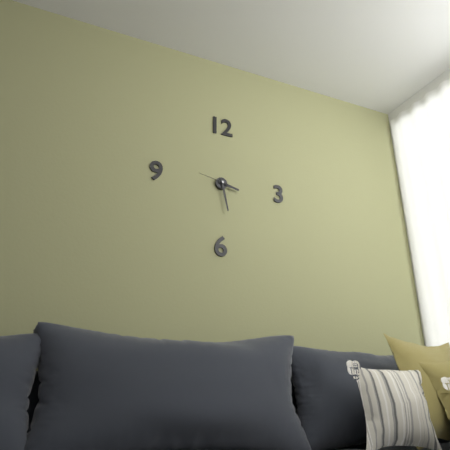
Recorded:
3.28
